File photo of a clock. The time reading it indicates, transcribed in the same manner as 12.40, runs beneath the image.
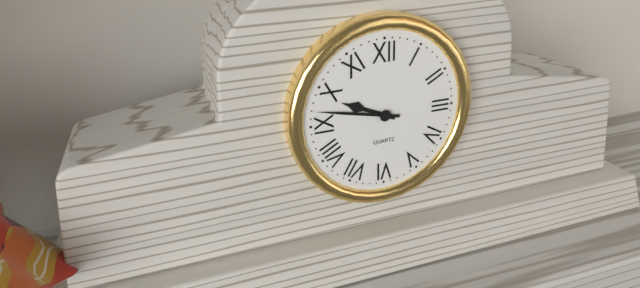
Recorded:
9.47
